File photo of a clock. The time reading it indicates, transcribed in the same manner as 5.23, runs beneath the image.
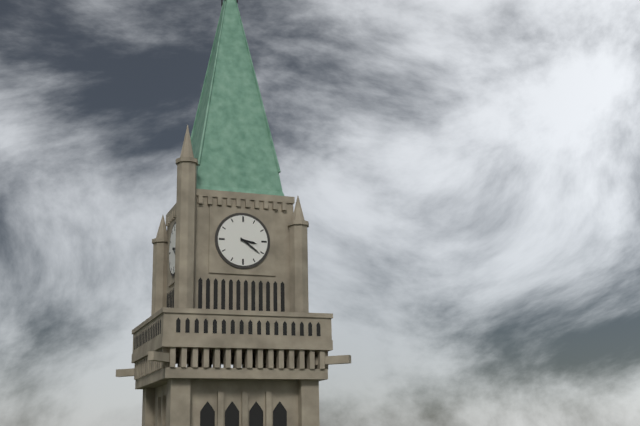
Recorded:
3.21
